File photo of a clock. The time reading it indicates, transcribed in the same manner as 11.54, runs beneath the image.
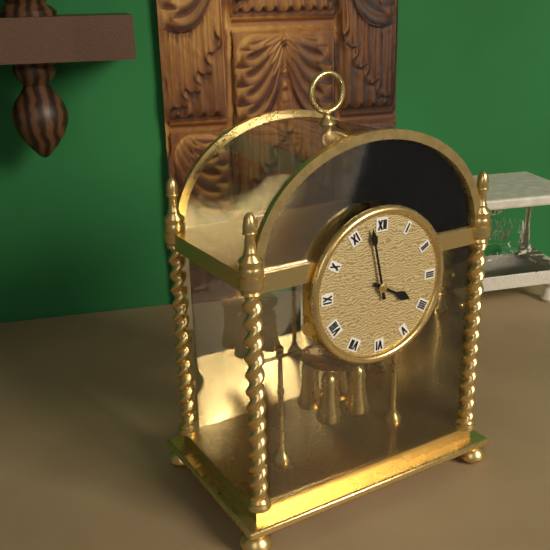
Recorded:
3.58
